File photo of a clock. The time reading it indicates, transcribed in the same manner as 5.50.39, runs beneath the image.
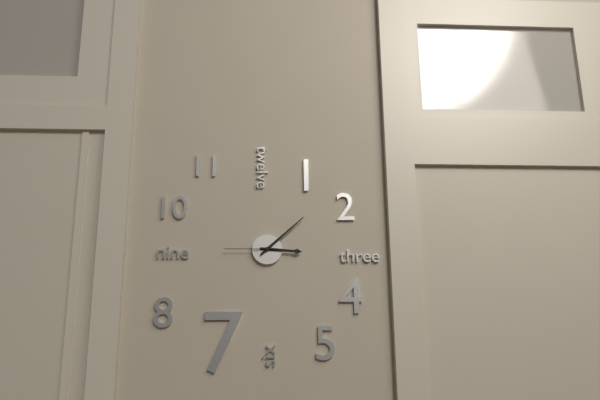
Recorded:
3.08.45
